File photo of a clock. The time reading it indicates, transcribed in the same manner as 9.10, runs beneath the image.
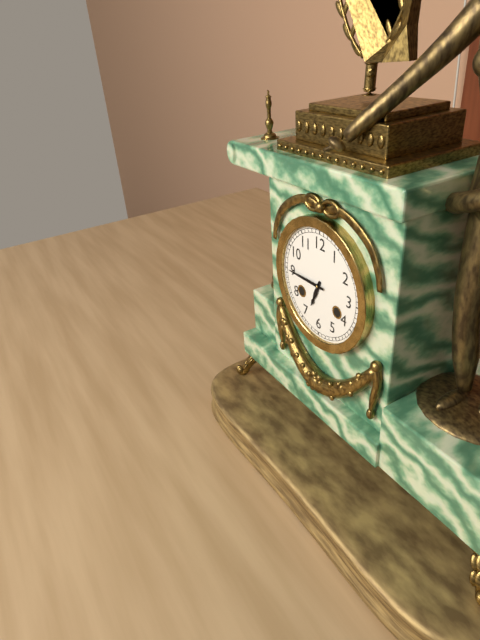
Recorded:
6.45
